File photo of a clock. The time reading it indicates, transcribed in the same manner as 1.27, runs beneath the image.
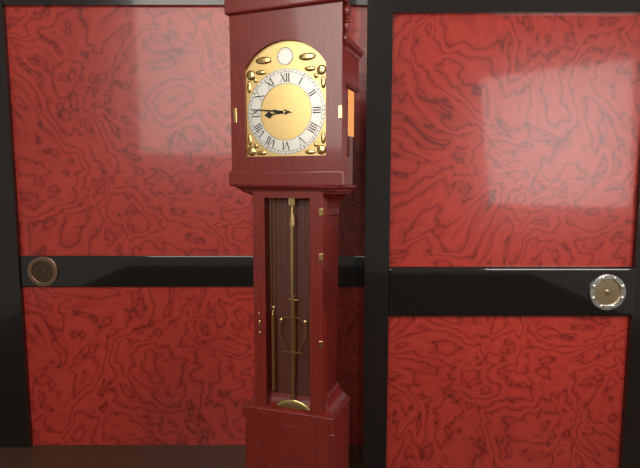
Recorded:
8.46
